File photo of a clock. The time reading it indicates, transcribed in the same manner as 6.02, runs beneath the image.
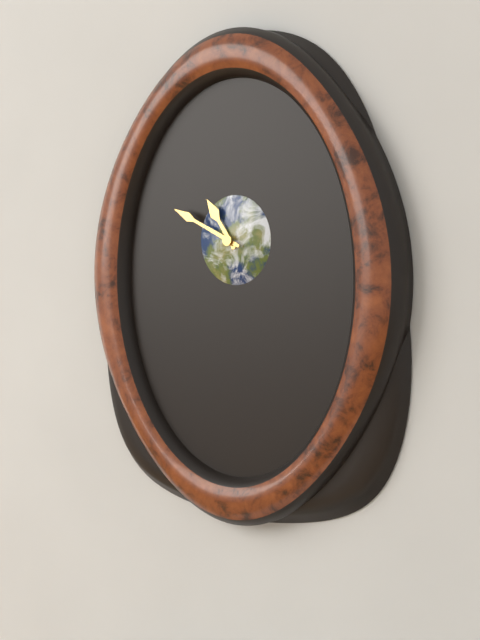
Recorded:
10.49
